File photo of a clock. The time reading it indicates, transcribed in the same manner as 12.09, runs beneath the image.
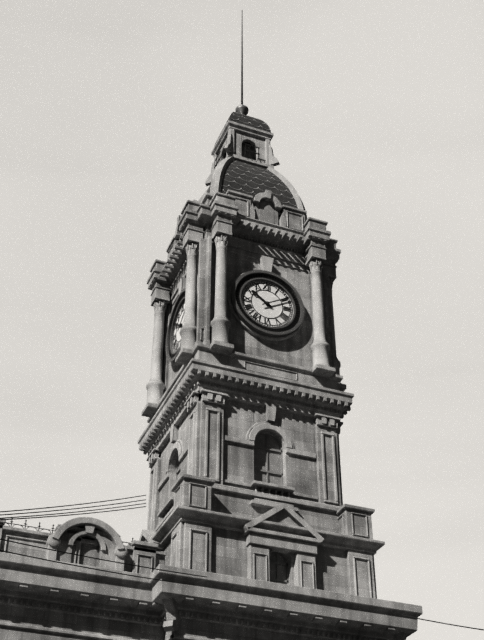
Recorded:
10.10
